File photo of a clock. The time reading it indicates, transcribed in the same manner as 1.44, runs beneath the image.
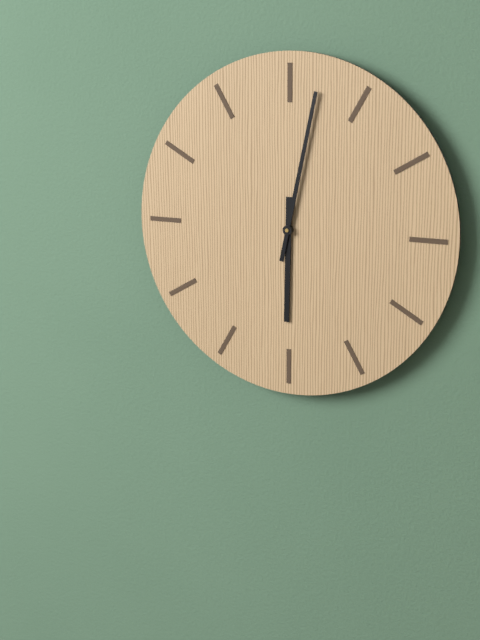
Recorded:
6.02
